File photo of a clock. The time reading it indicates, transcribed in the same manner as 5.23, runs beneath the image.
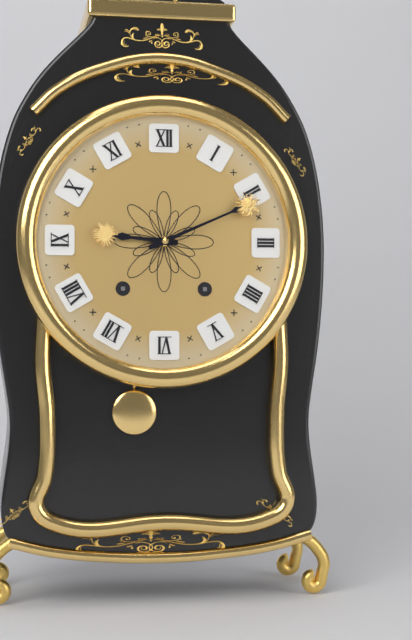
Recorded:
9.11
